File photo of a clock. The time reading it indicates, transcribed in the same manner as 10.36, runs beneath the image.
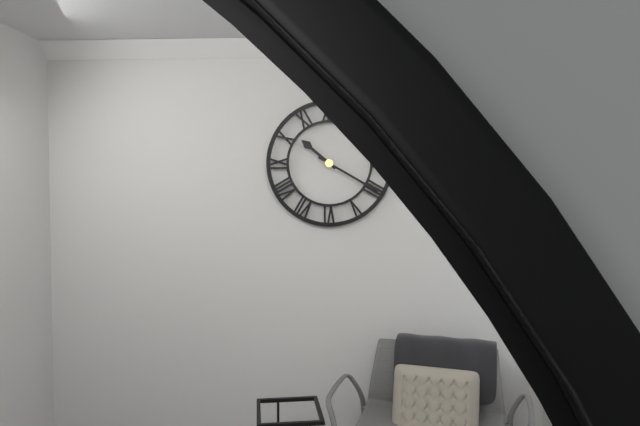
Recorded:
10.20
